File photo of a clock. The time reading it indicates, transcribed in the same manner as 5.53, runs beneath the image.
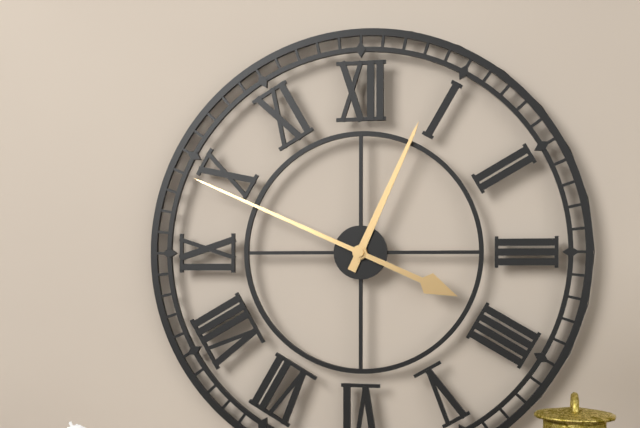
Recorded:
12.49
